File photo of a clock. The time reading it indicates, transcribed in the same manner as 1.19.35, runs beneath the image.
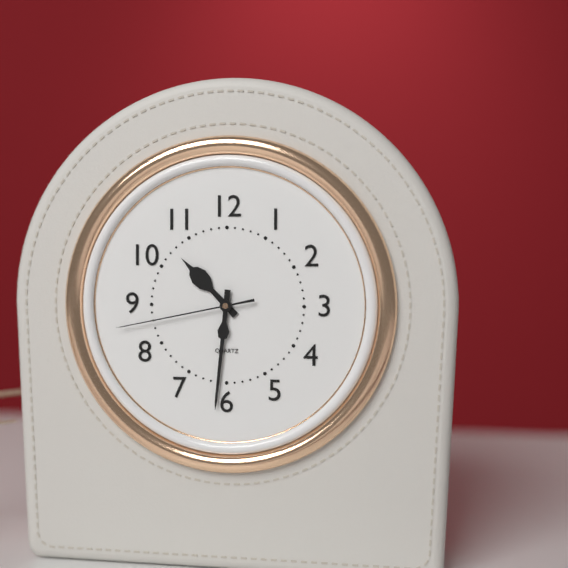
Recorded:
10.31.43
